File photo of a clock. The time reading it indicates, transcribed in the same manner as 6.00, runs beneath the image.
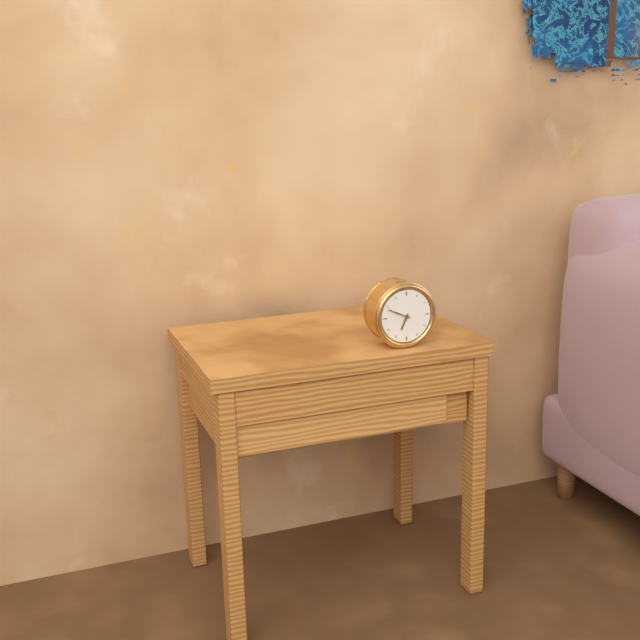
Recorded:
6.49
